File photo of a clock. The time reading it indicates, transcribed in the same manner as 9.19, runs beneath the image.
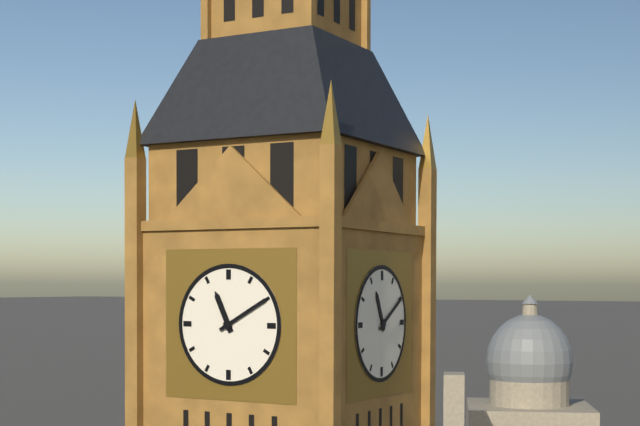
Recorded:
11.10
